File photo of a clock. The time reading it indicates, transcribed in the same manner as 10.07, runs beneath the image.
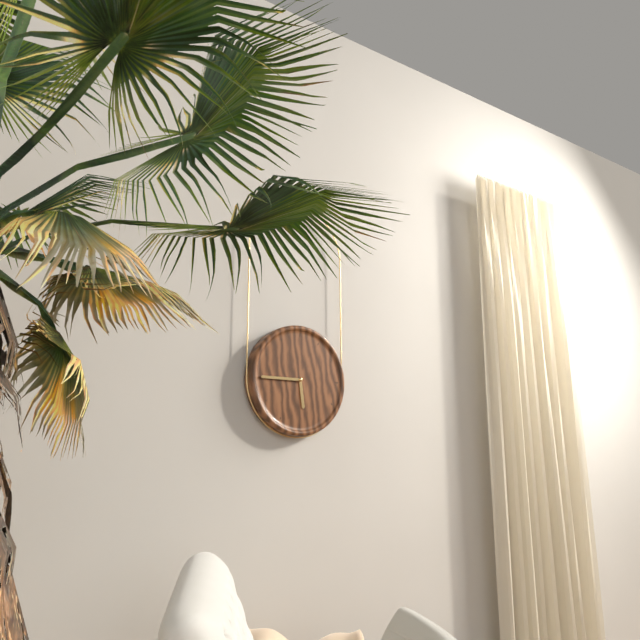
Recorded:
5.45
